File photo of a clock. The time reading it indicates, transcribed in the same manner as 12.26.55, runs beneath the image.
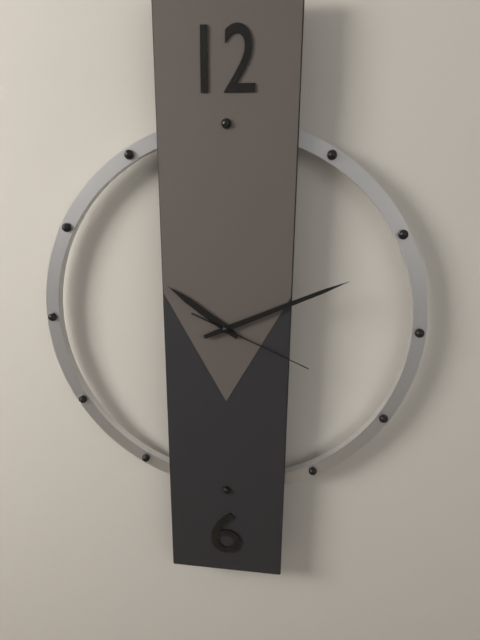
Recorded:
10.11.19
